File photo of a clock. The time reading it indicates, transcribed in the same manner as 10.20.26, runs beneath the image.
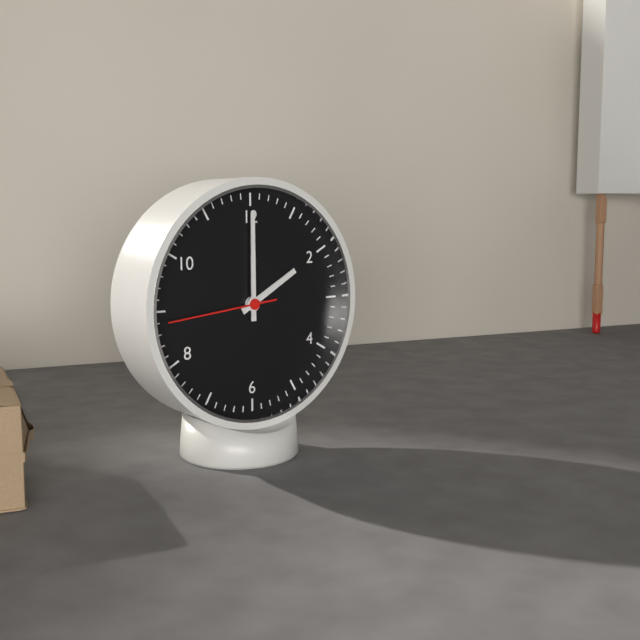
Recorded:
2.00.44
